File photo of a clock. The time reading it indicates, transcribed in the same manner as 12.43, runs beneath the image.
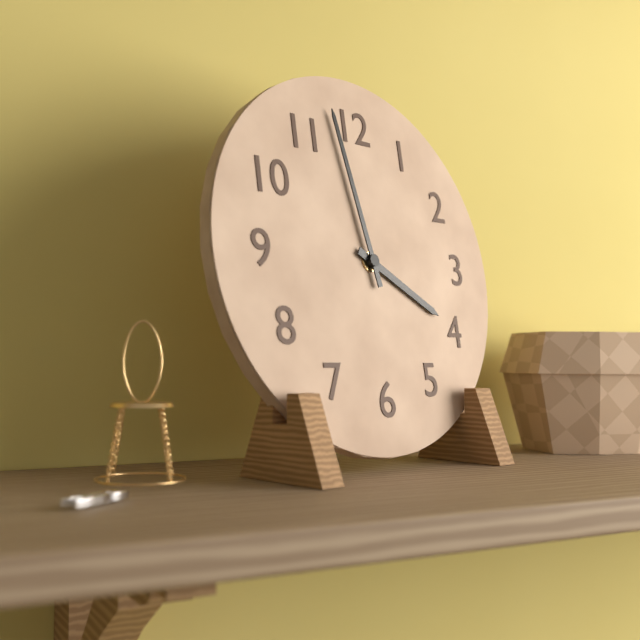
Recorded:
3.58
